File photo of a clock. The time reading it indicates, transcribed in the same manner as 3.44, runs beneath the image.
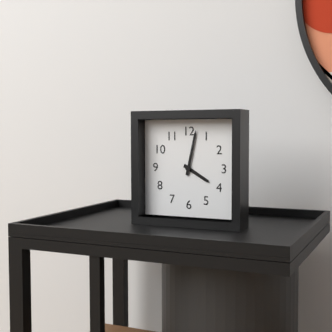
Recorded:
4.02
